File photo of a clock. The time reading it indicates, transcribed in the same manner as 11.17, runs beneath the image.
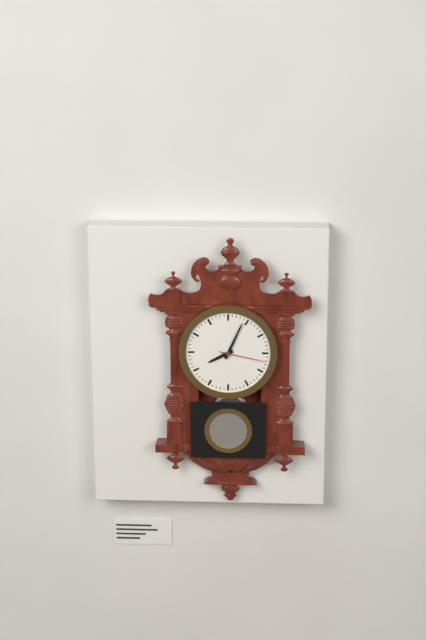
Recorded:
8.04
